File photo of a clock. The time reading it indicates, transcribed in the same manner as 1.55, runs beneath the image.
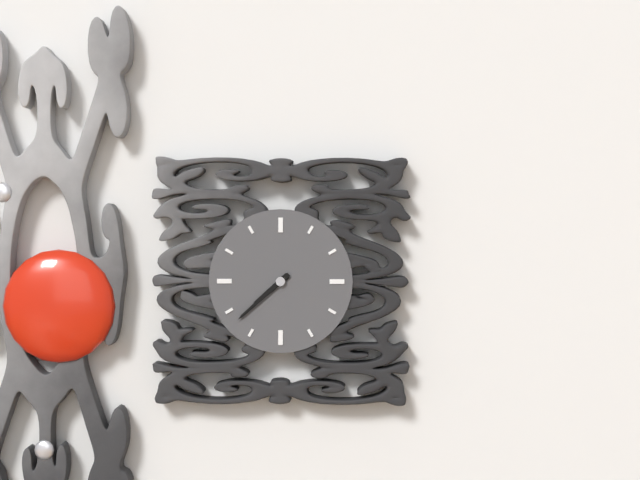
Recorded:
7.38
